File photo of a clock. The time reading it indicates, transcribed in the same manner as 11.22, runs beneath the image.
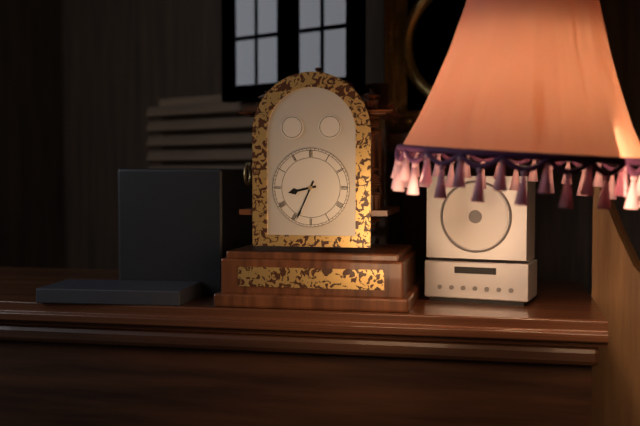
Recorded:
8.34
